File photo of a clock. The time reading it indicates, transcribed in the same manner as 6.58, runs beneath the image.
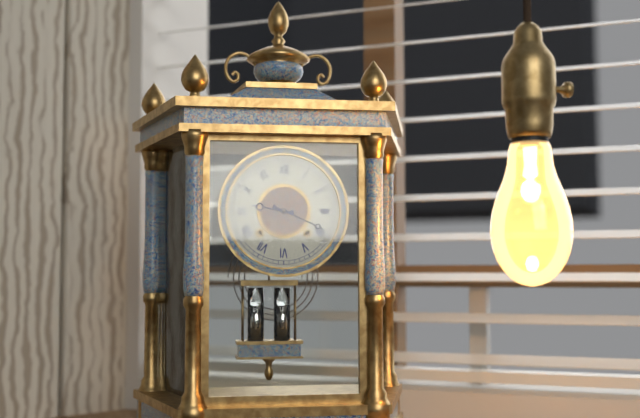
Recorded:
9.19
